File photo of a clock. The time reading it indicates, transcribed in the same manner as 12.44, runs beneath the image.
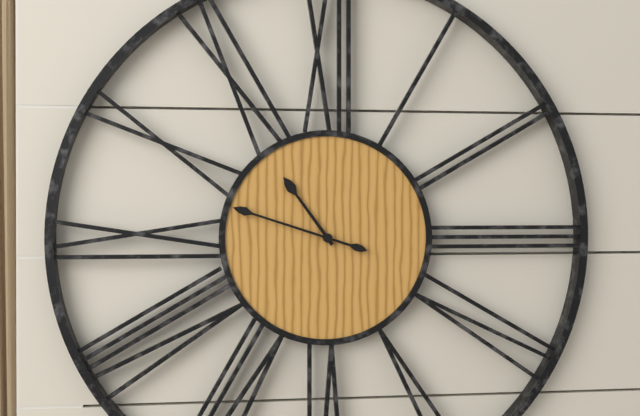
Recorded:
10.48
